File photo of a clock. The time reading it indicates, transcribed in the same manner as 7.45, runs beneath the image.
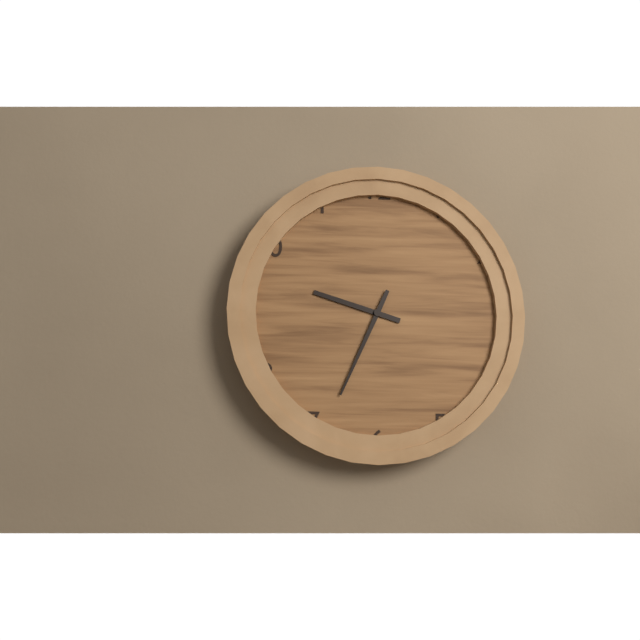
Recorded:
9.34
